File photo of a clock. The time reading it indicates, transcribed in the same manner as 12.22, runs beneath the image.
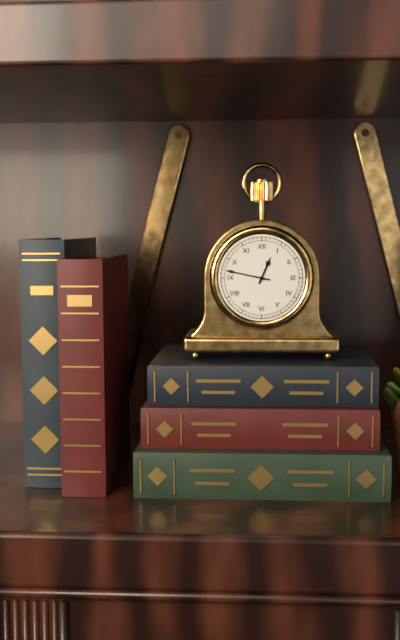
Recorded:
12.47
